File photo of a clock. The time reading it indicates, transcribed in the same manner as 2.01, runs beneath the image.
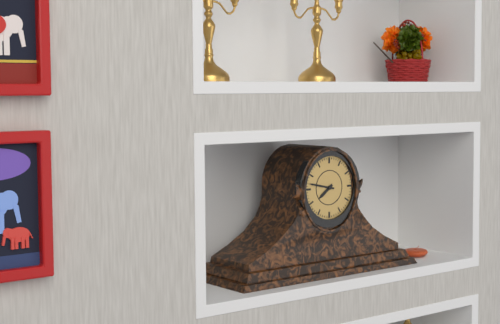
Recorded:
7.47
